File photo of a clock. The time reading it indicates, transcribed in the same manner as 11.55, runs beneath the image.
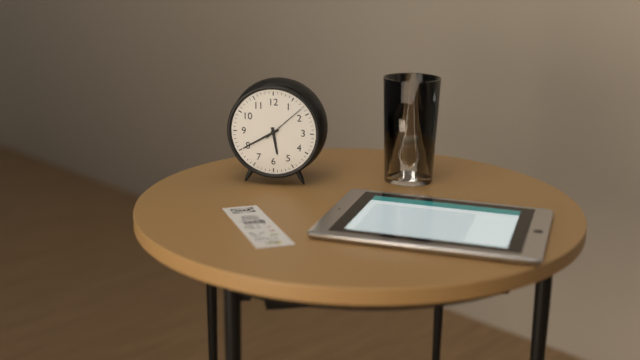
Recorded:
5.40
